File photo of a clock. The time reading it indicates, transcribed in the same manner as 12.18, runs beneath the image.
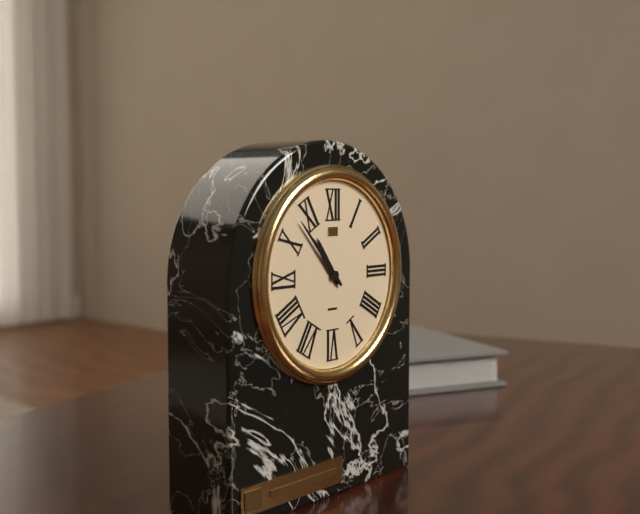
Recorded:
10.53
